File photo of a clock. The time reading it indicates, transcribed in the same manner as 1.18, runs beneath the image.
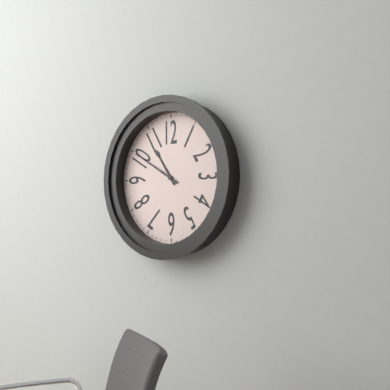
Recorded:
10.50
